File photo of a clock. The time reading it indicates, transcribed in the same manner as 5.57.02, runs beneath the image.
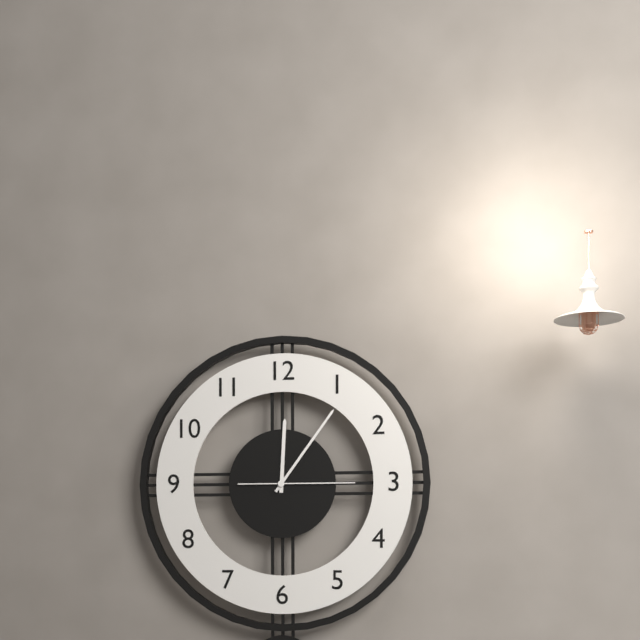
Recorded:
12.06.15
